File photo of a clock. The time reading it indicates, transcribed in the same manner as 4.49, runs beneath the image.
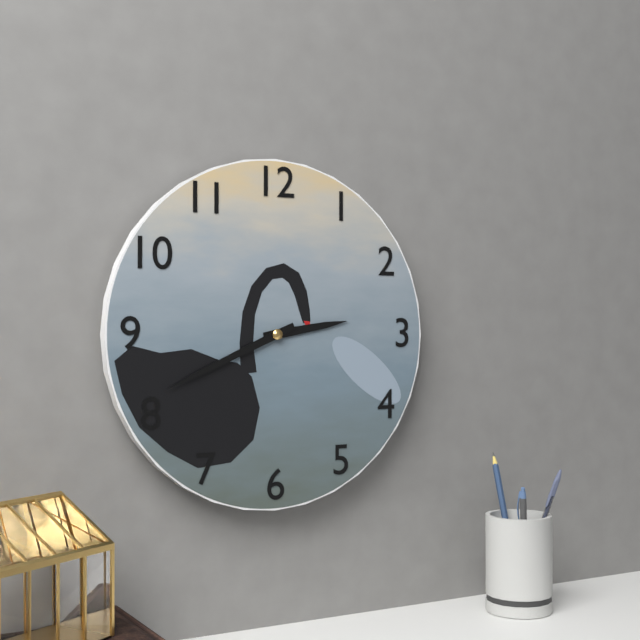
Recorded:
2.41
